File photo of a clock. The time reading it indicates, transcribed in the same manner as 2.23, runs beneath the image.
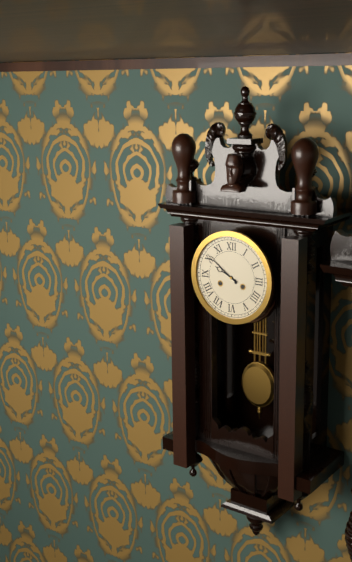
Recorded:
9.51
